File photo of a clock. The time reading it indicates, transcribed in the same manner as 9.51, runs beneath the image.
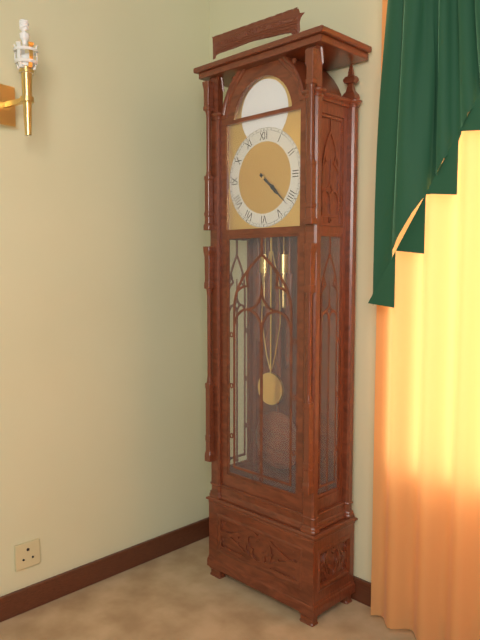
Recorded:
4.22
